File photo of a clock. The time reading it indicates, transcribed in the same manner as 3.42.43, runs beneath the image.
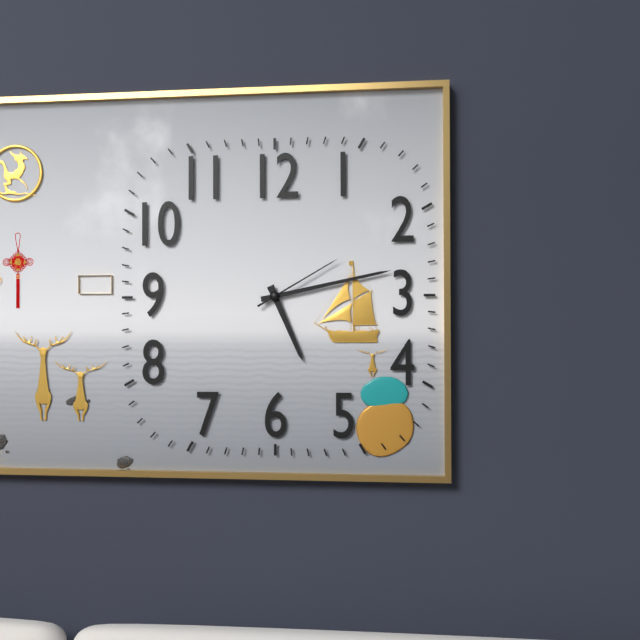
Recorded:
5.13.10
